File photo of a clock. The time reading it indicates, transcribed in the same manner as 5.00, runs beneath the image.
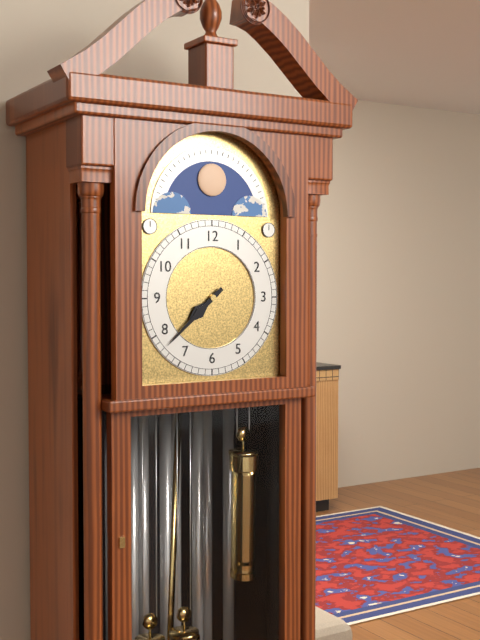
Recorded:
7.38
